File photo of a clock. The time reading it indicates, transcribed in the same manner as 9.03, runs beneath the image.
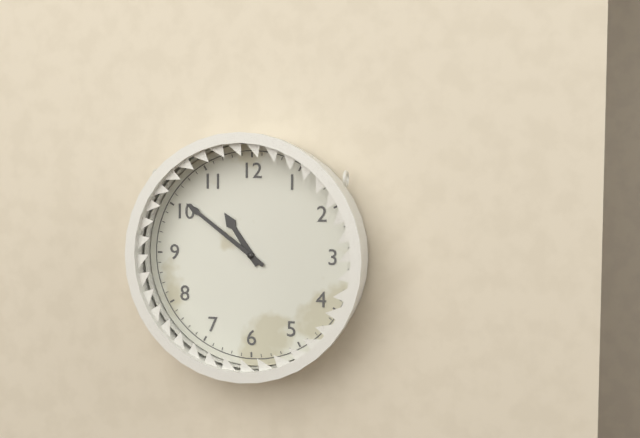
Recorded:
10.51
